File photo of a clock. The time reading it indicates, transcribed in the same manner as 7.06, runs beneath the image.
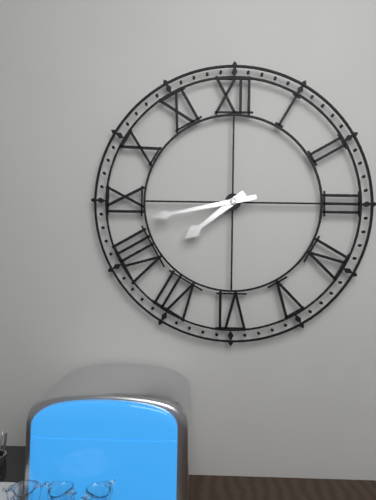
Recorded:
7.43
